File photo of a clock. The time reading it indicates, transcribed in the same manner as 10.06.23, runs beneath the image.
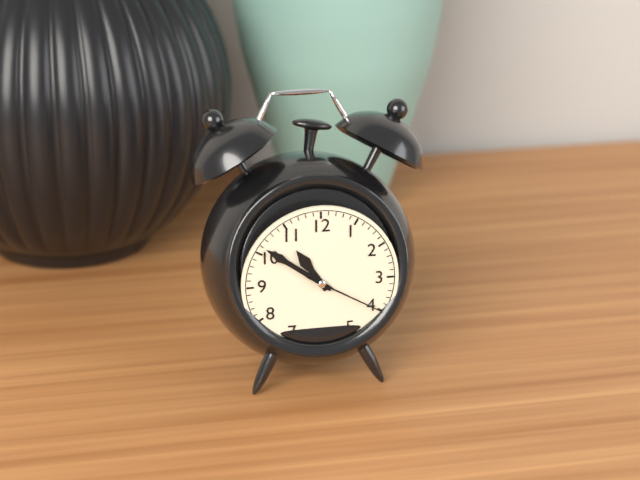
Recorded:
10.51.20
